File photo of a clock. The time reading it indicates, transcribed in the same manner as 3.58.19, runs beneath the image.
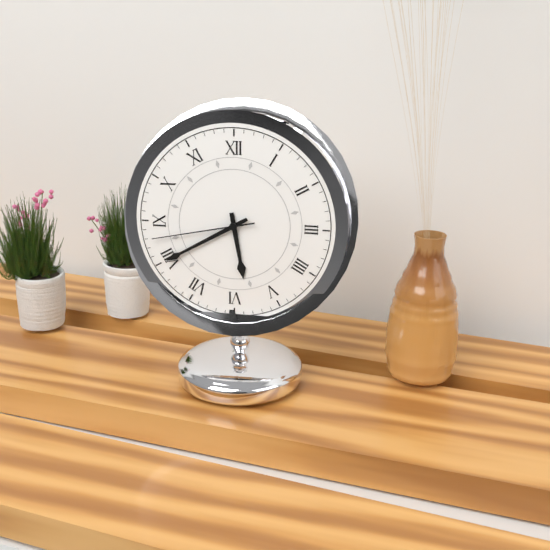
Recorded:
5.40.43
